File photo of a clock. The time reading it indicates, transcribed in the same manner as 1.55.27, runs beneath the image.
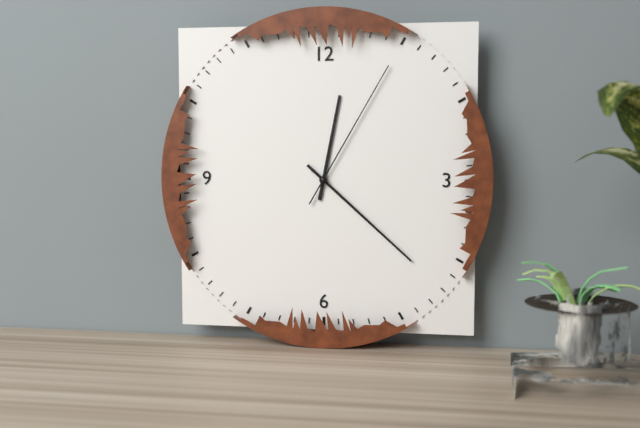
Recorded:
12.22.05
